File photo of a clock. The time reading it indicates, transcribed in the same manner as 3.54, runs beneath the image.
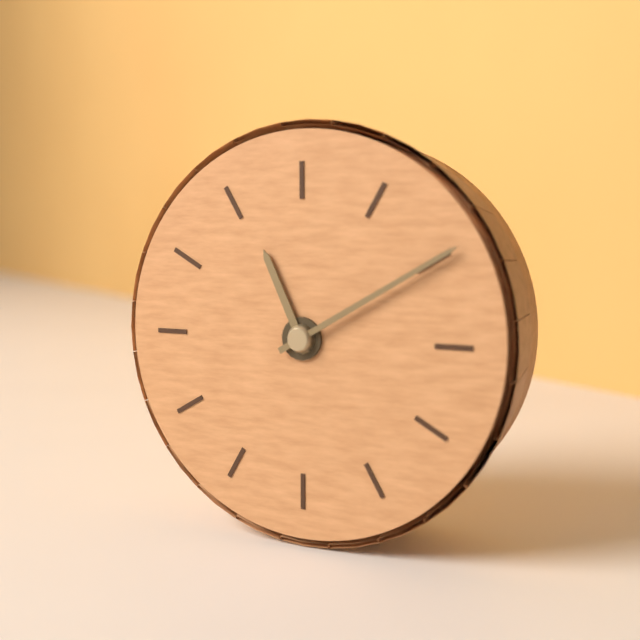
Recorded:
11.10
